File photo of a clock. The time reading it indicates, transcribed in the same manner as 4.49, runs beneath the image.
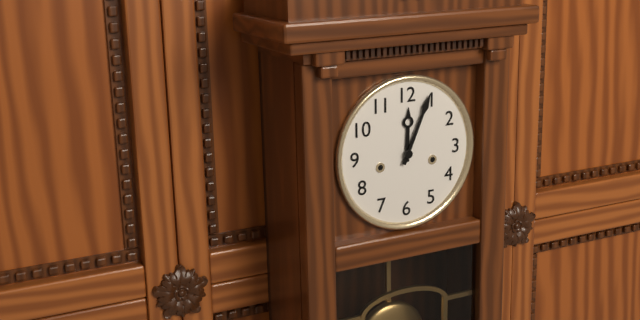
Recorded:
12.04
